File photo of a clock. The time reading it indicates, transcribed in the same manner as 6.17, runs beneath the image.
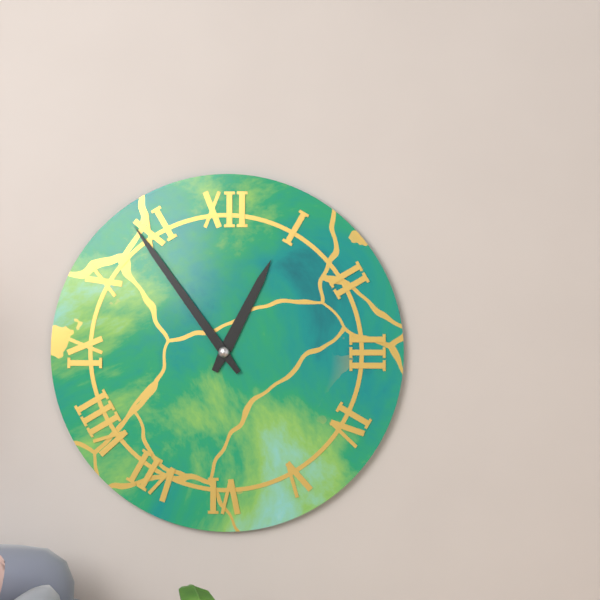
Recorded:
12.54
